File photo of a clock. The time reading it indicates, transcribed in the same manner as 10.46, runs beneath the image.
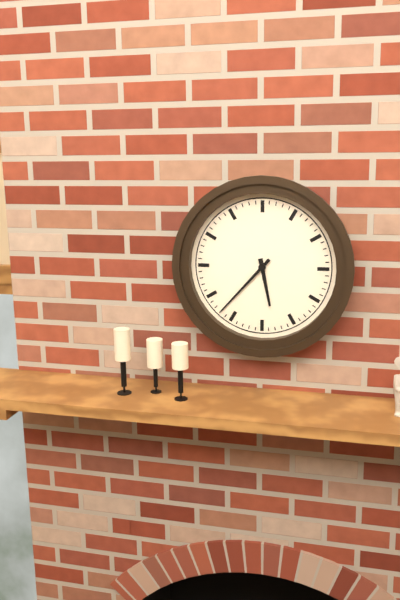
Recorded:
5.37
